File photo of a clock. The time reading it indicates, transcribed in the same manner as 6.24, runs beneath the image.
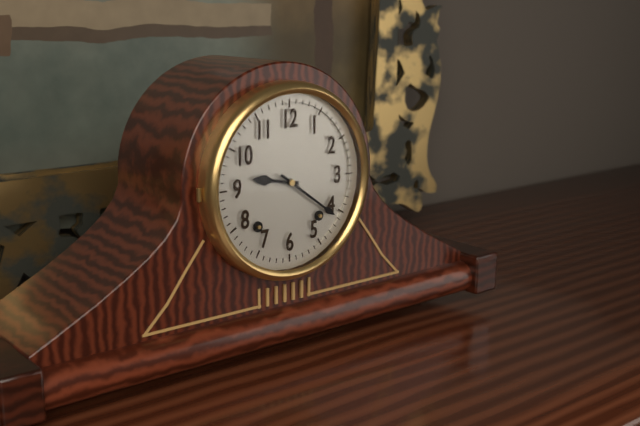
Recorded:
9.21
